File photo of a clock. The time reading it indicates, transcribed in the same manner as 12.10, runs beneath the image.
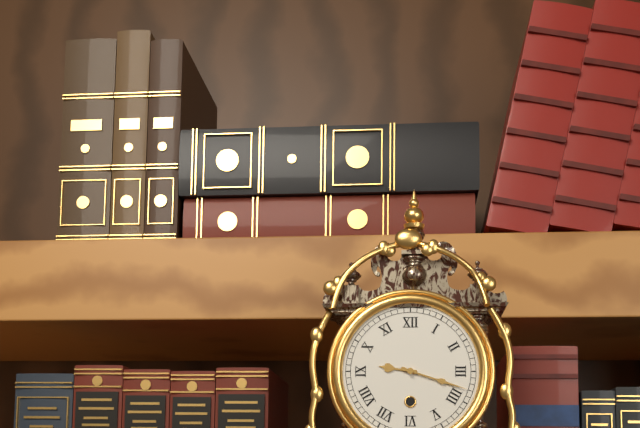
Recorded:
9.18
